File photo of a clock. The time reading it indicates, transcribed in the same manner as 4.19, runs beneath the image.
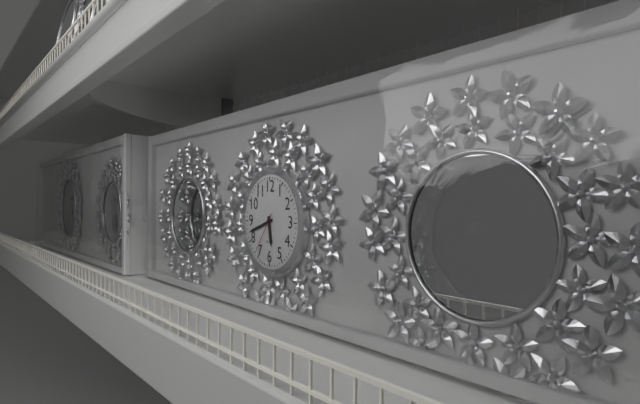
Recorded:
5.42
